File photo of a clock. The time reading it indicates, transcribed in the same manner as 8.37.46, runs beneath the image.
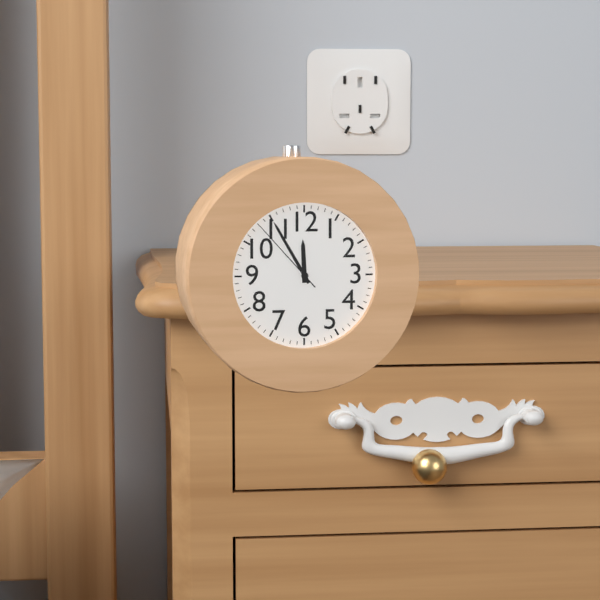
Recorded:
11.55.53
